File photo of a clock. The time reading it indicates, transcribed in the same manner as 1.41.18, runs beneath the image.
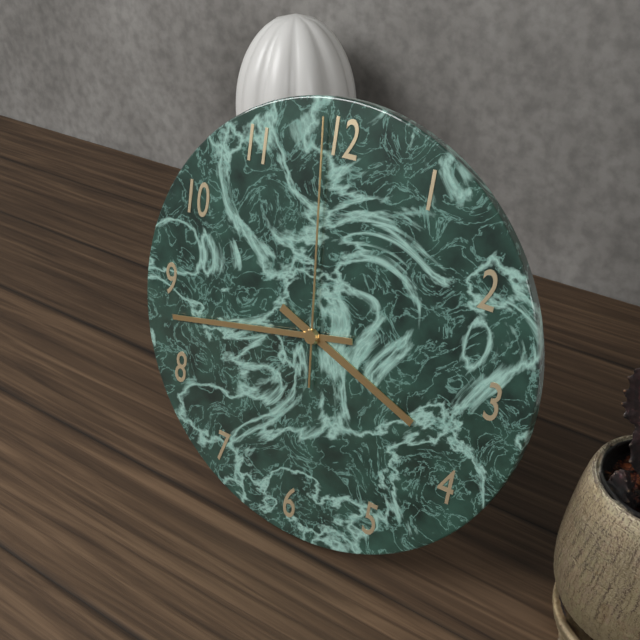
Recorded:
3.43.59
